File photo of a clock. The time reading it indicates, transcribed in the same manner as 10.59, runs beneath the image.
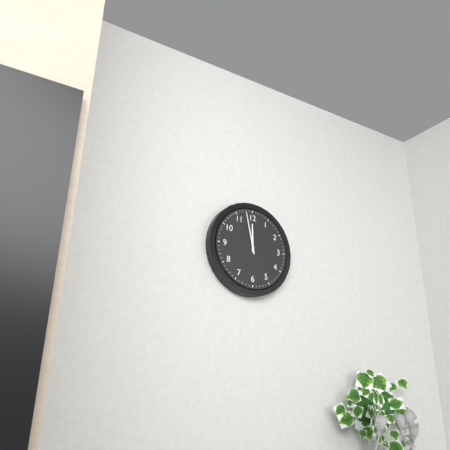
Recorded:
11.58
